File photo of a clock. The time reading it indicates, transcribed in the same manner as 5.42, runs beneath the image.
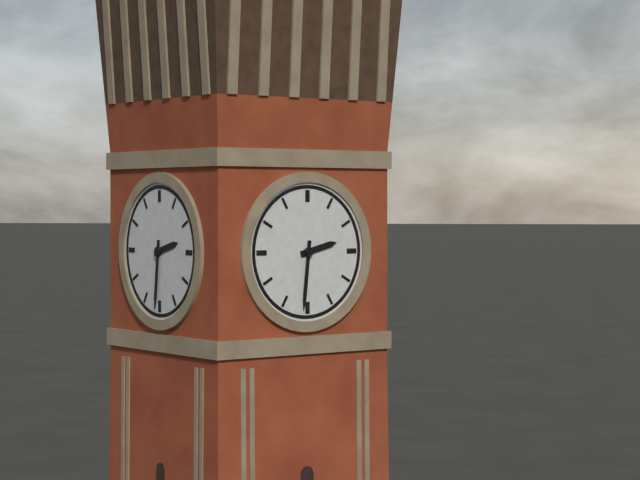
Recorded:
2.31
